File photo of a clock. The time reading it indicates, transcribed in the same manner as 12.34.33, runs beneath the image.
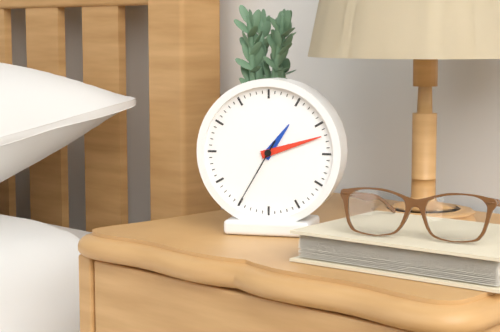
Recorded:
1.12.35
